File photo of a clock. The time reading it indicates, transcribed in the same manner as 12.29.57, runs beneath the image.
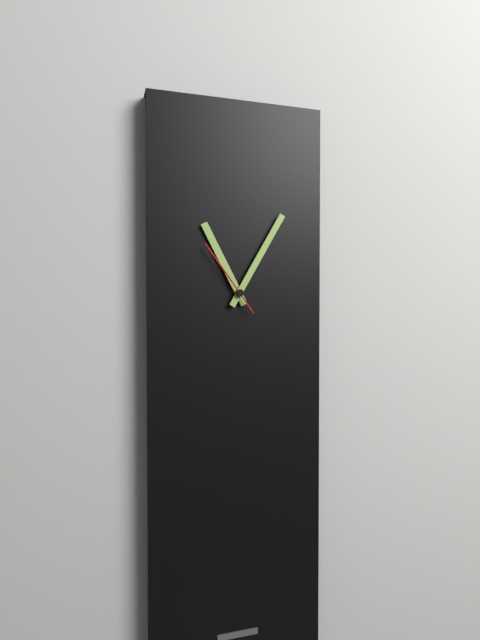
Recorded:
11.05.54
